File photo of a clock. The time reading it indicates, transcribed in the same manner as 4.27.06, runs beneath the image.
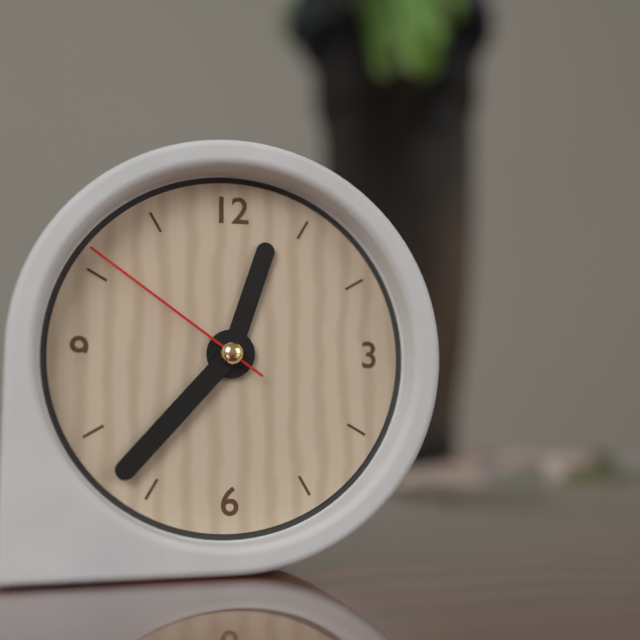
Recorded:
12.37.51
